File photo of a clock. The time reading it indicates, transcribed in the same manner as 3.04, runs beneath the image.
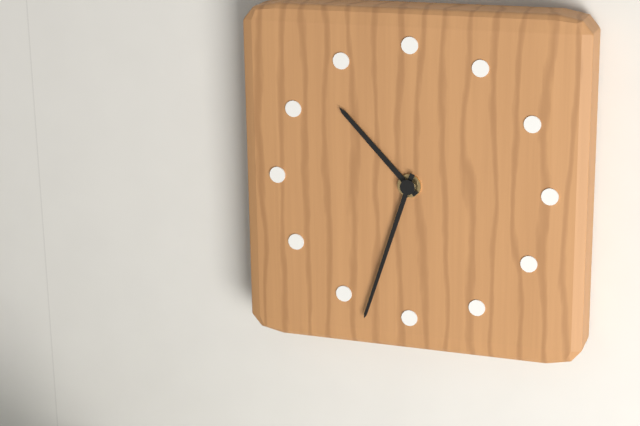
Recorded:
10.33
